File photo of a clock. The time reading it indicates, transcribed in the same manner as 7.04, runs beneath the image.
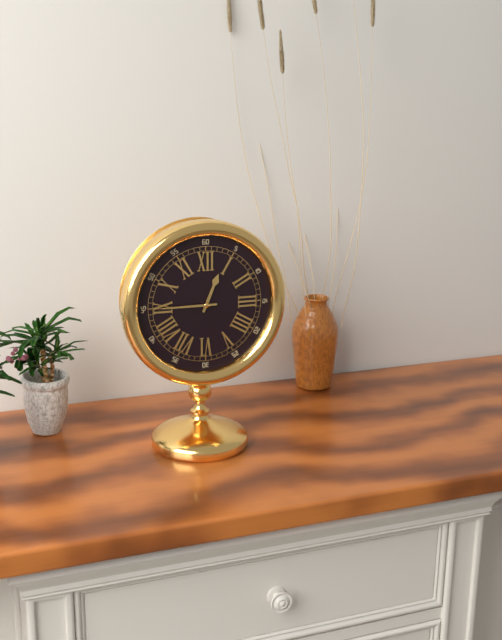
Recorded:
12.45
